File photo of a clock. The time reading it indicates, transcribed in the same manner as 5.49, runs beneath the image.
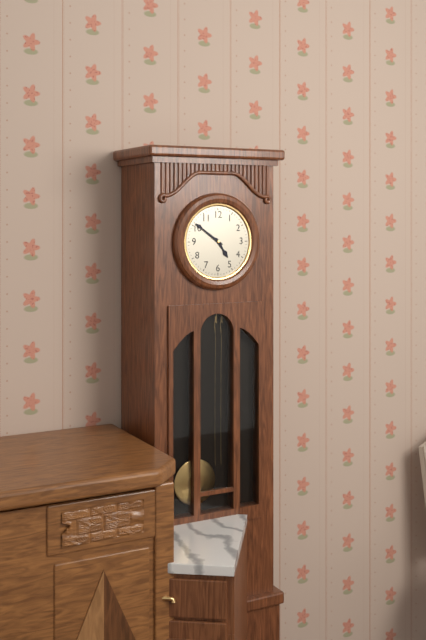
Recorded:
4.51
